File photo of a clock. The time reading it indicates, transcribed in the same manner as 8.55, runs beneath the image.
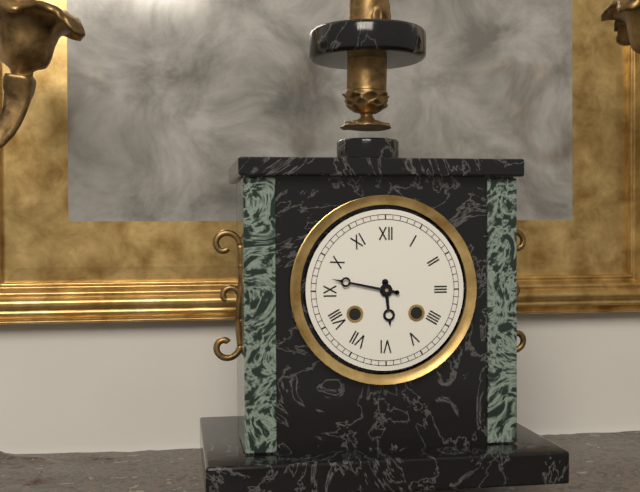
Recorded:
5.47
